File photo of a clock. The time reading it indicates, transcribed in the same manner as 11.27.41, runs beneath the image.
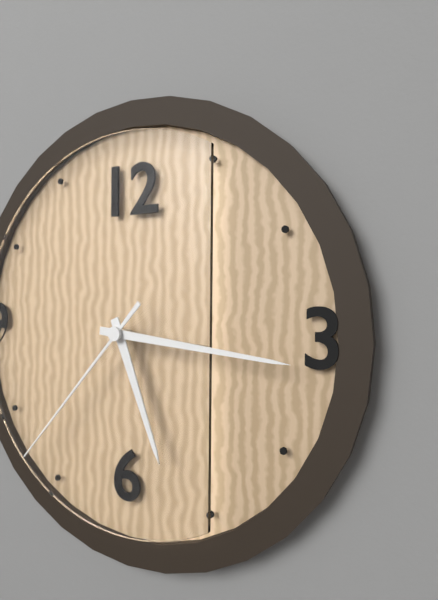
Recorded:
5.16.37
